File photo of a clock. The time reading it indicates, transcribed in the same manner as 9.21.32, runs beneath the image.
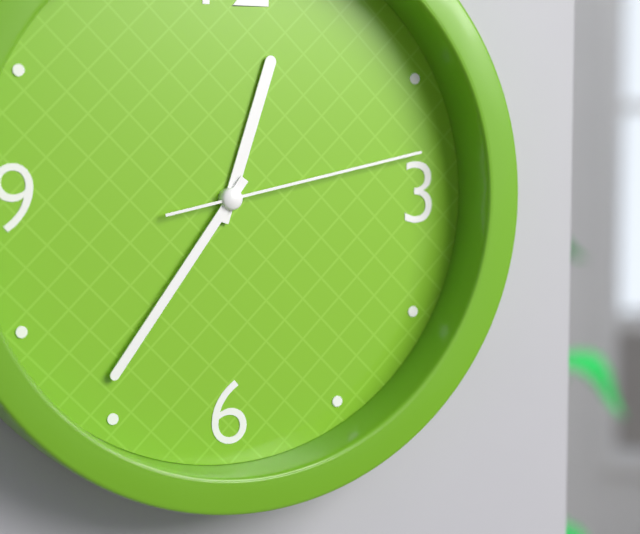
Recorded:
12.36.13
